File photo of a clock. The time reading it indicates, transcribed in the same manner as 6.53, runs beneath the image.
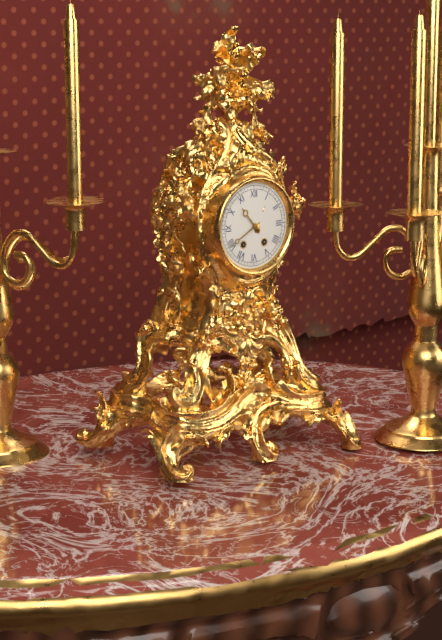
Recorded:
10.40
